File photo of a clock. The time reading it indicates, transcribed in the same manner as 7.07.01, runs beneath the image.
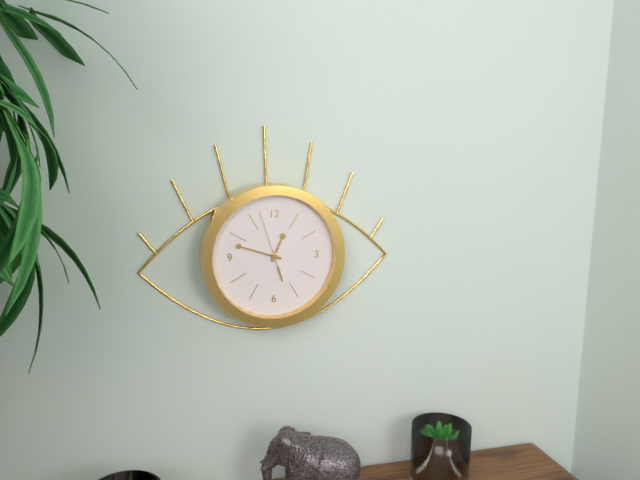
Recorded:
12.48.57
